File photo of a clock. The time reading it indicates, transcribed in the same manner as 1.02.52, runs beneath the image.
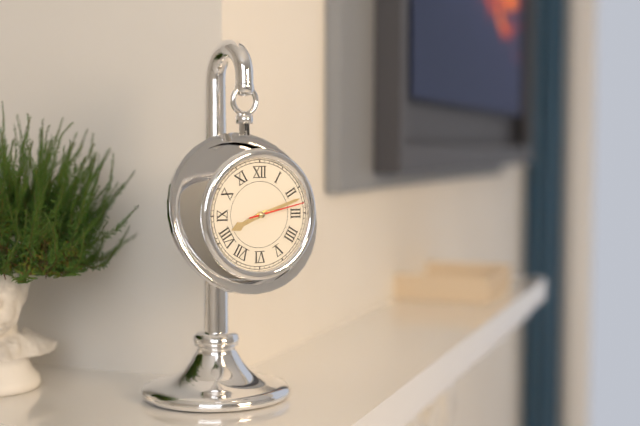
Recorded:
8.12.13
